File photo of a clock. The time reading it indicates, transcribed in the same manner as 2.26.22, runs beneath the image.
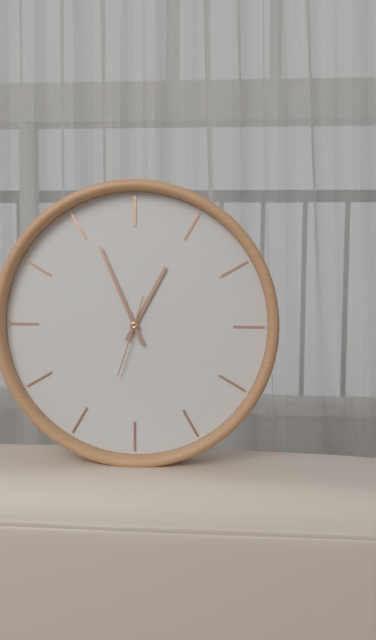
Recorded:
12.56.33
